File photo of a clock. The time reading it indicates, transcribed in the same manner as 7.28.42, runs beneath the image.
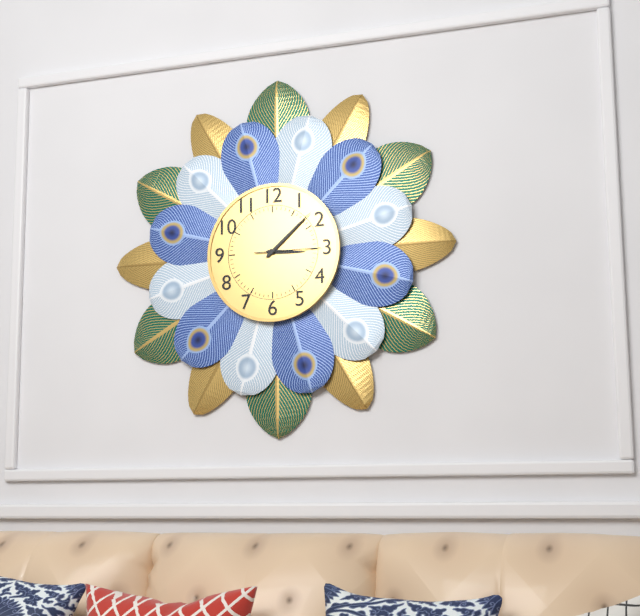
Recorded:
3.08.15
